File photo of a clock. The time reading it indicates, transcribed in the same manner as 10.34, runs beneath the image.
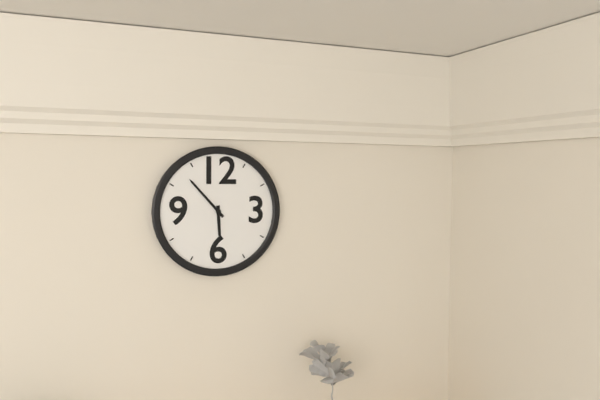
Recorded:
5.53
